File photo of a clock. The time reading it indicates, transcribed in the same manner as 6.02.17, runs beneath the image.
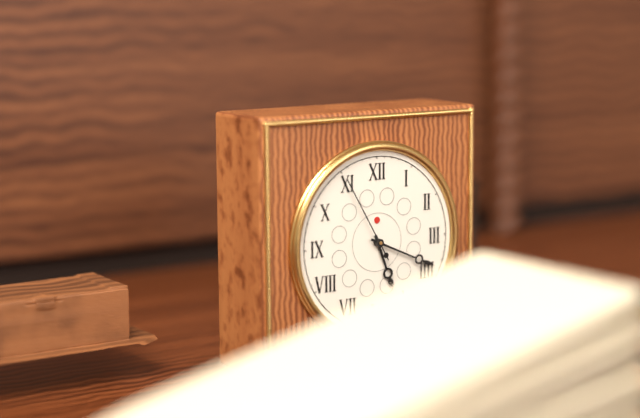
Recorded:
5.19.55
